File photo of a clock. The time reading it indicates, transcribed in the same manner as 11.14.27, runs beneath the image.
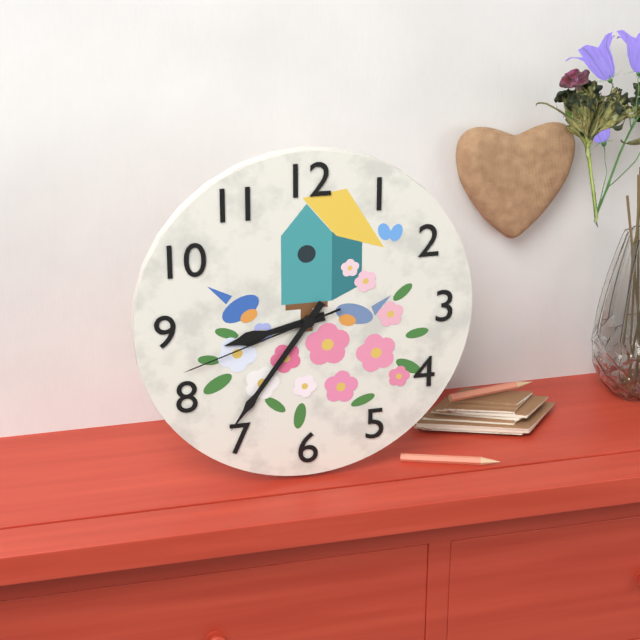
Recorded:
8.36.42
